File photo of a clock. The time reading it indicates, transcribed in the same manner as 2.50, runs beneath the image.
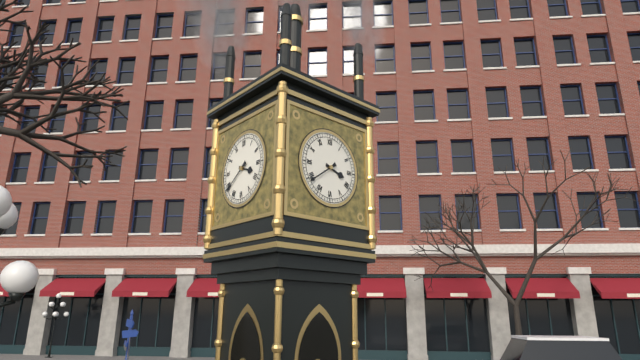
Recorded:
3.39
